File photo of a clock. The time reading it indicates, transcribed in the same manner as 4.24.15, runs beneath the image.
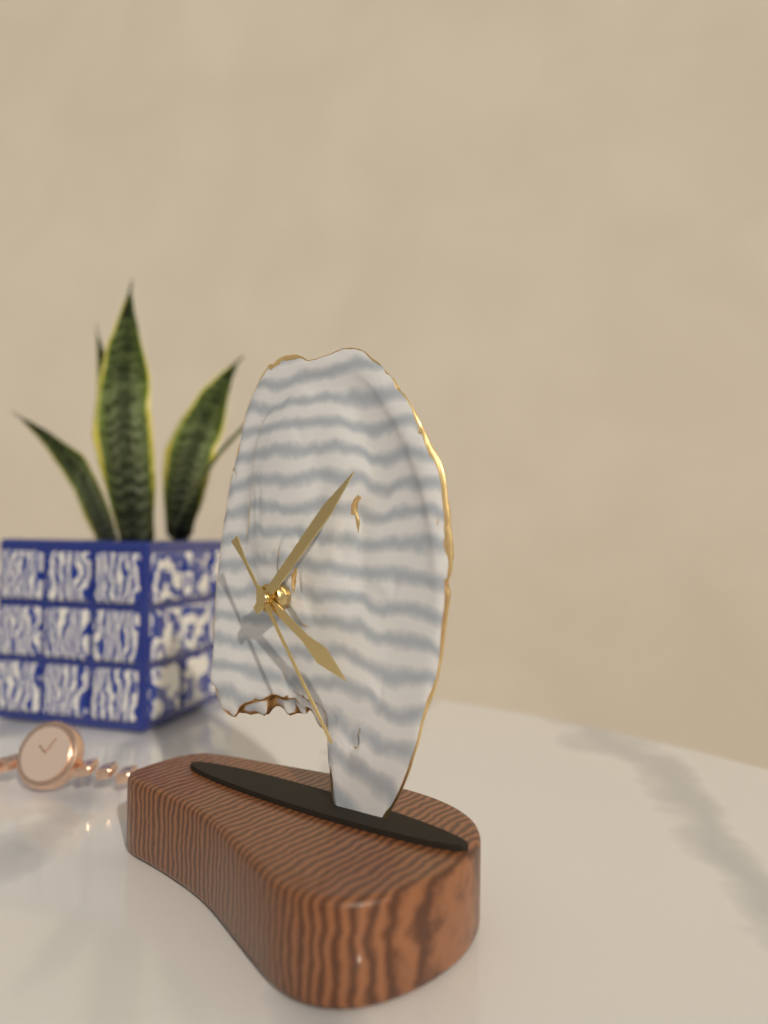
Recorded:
4.07.24
